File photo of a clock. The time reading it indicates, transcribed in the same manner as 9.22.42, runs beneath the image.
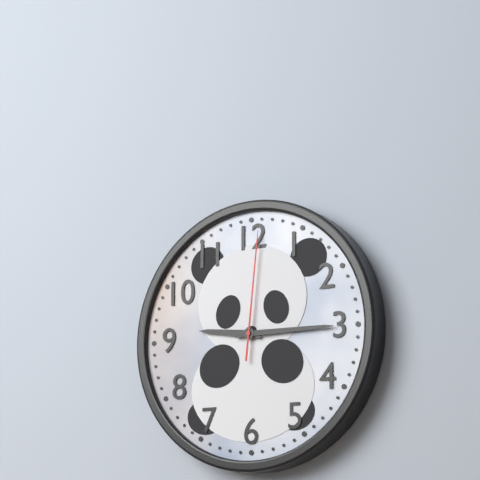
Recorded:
9.15.01
